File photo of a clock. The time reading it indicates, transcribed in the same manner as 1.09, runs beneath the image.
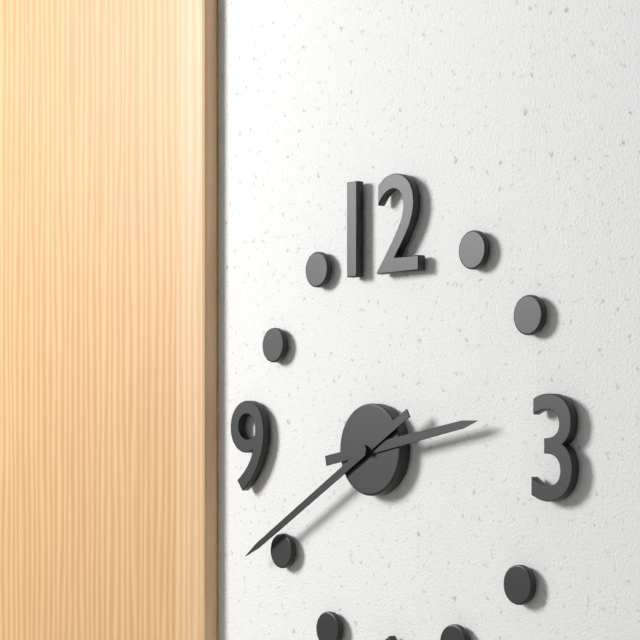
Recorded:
2.40
